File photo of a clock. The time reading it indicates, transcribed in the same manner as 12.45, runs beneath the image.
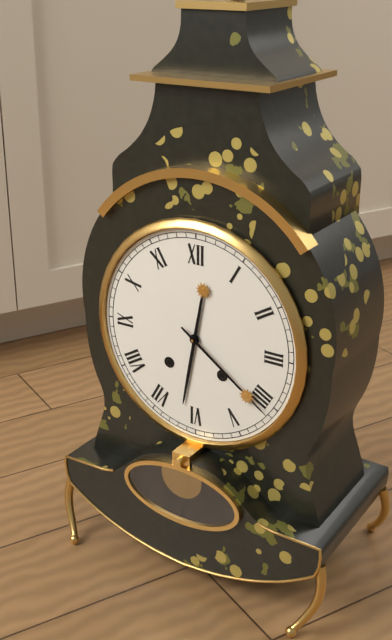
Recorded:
6.21
